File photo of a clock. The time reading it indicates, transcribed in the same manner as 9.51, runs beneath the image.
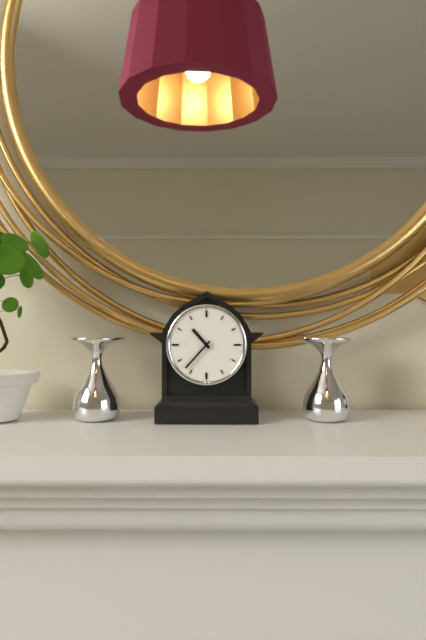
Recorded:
10.37
